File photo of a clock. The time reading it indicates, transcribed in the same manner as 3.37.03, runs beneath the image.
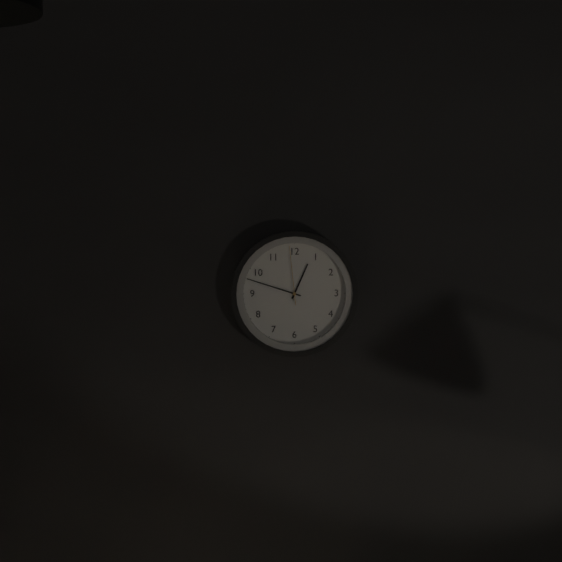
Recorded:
12.48.59
